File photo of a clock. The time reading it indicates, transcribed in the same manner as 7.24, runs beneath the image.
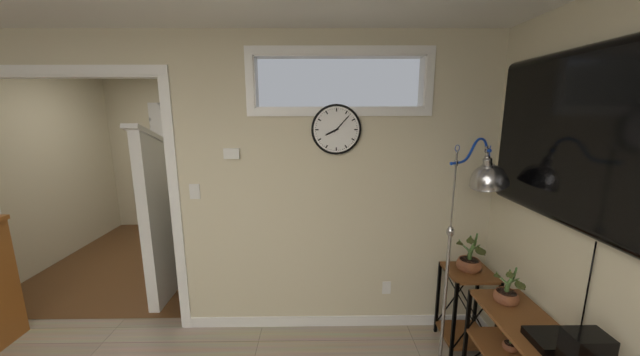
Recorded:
8.07
